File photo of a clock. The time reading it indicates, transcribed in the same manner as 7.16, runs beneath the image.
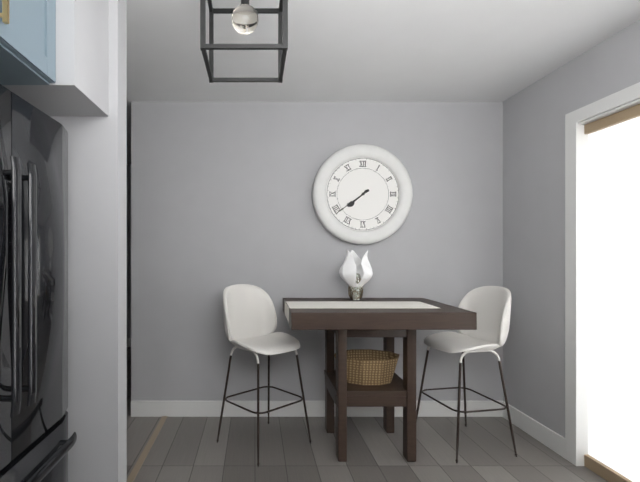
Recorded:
7.39
